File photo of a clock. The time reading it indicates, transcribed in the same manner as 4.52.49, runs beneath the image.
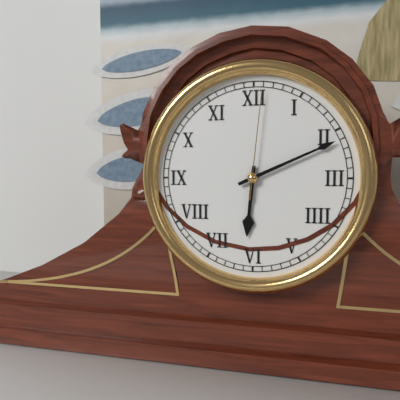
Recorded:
6.11.01
